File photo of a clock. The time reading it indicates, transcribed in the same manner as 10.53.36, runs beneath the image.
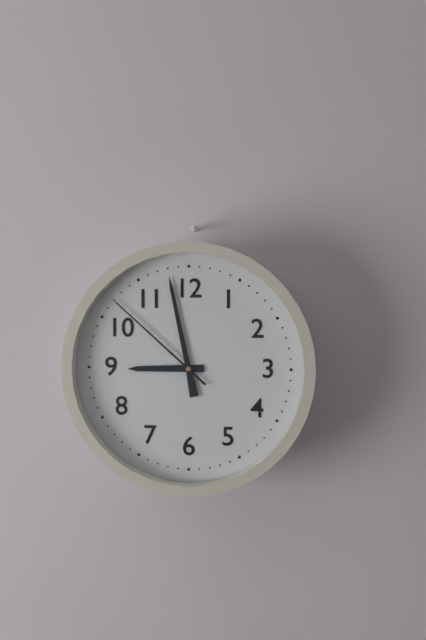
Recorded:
8.58.52
